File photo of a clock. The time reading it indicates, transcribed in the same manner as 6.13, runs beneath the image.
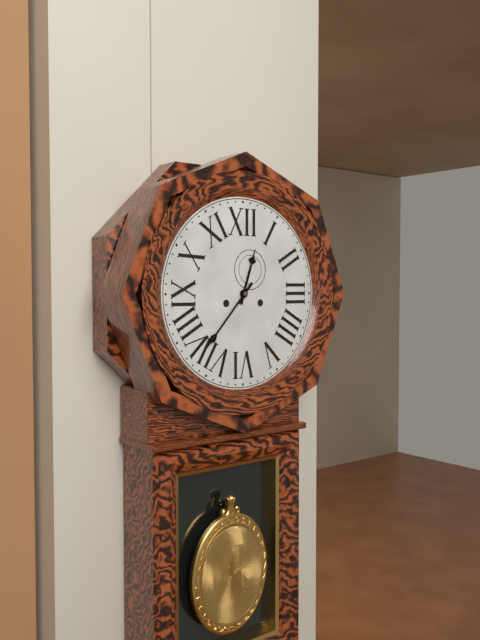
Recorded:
12.37
